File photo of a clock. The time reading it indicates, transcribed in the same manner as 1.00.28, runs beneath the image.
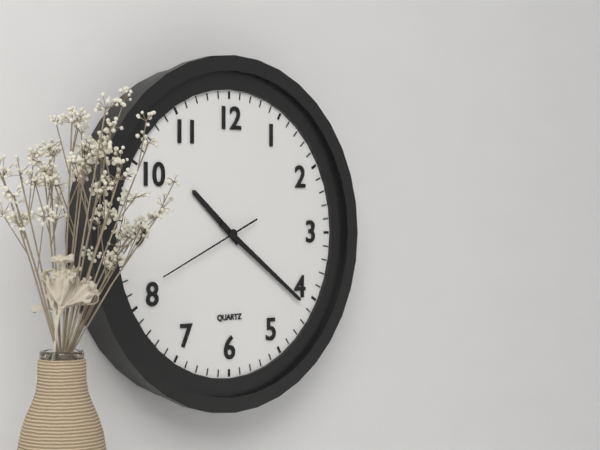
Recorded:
10.21.41
